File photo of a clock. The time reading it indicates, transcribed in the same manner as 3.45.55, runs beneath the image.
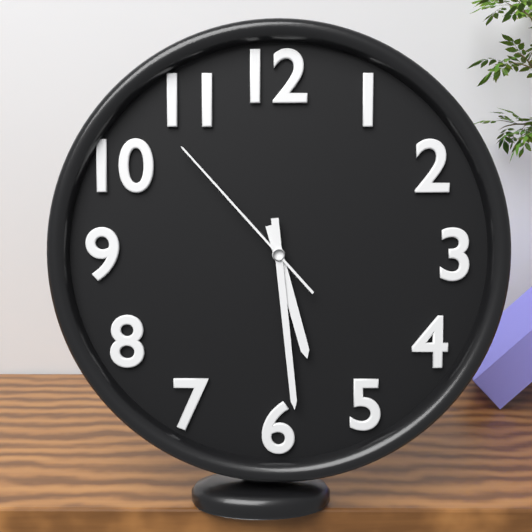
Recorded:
5.29.53
